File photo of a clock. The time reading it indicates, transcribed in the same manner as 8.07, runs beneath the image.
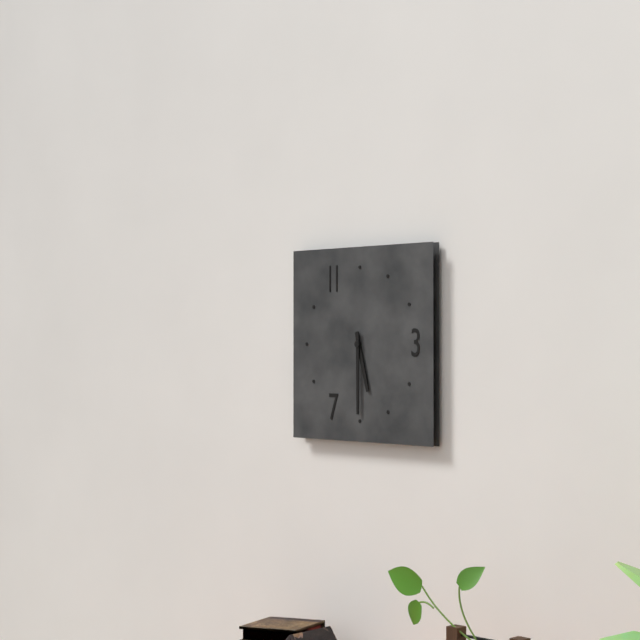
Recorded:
5.30
